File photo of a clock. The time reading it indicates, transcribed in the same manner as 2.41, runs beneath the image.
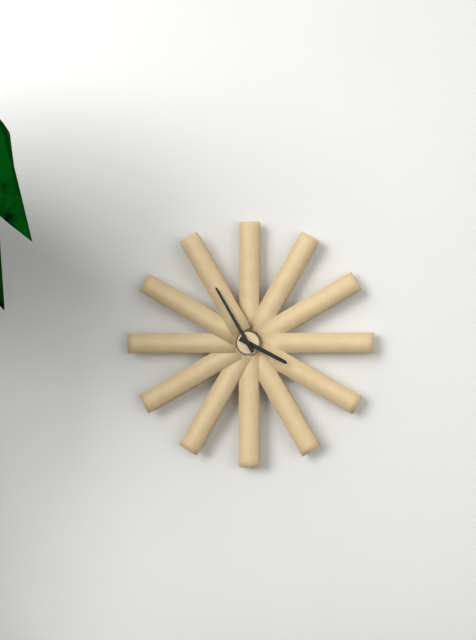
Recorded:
3.55
